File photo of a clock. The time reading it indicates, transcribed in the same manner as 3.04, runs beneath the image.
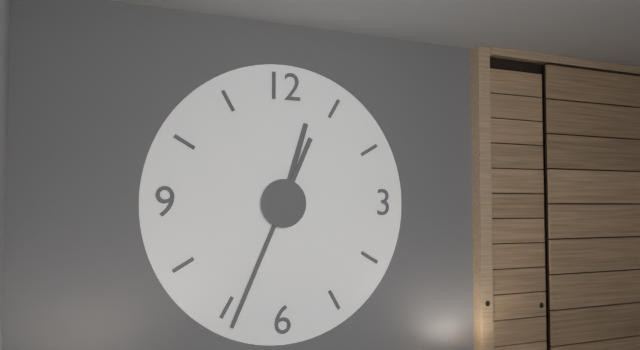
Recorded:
12.34
